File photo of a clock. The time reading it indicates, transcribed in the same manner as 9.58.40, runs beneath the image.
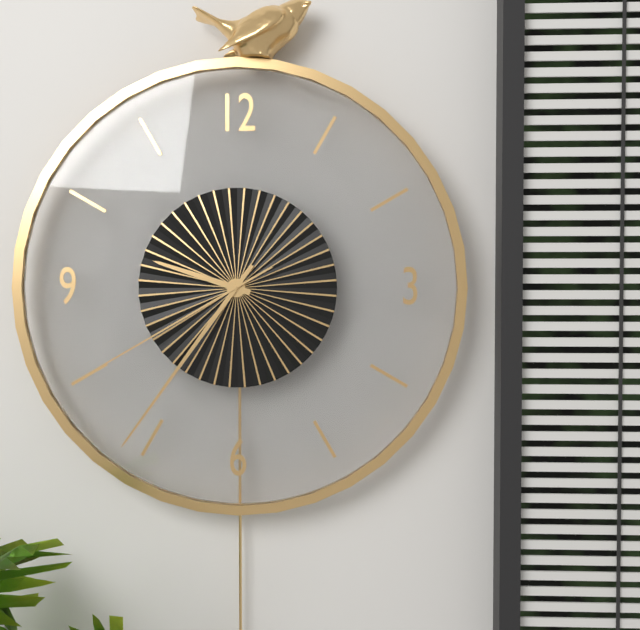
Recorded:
9.36.40
